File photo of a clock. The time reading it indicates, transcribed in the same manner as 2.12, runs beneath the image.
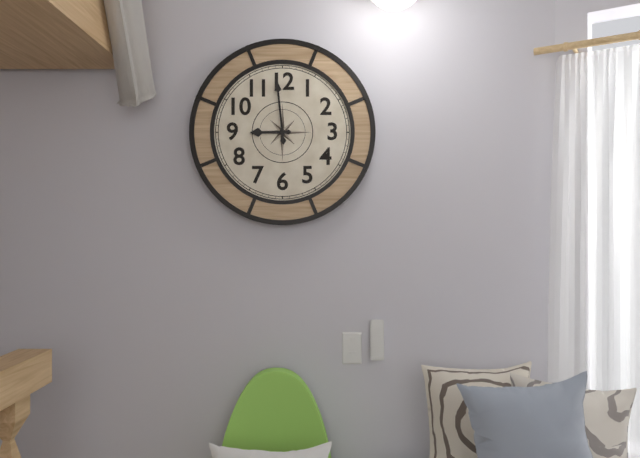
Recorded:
8.59
